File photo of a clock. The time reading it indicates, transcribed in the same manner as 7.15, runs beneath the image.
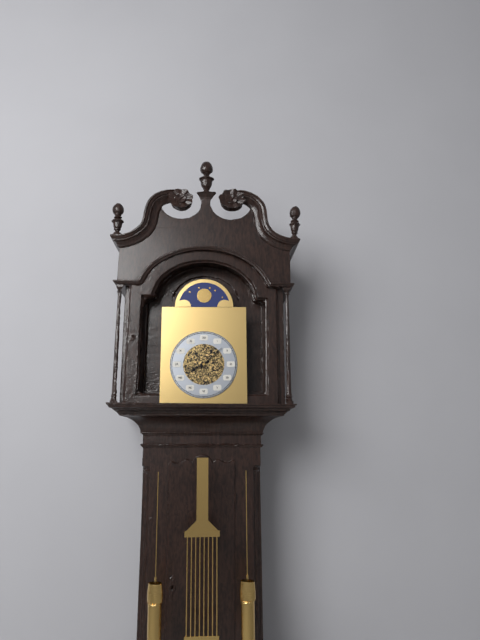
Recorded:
8.08
